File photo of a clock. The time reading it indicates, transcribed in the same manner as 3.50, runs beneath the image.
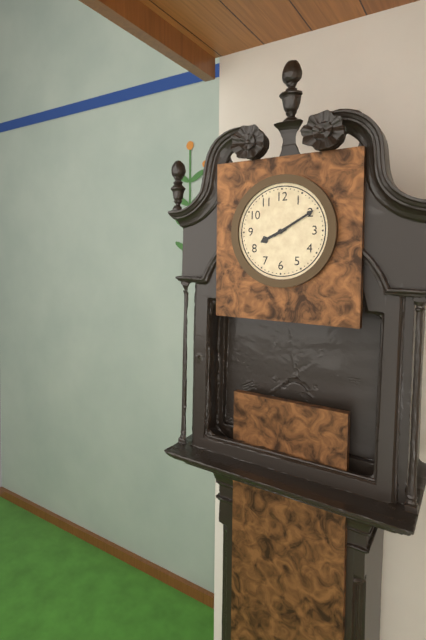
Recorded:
8.10
